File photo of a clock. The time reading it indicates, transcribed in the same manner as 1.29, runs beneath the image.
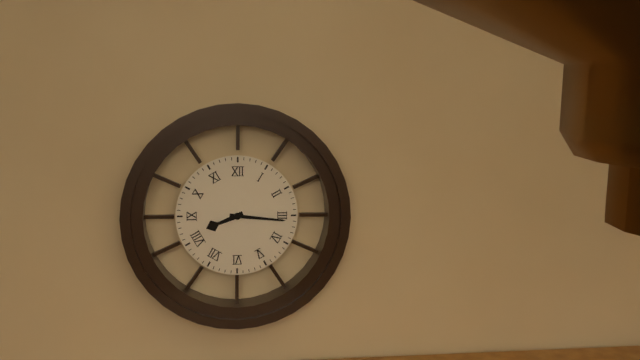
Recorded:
8.16
